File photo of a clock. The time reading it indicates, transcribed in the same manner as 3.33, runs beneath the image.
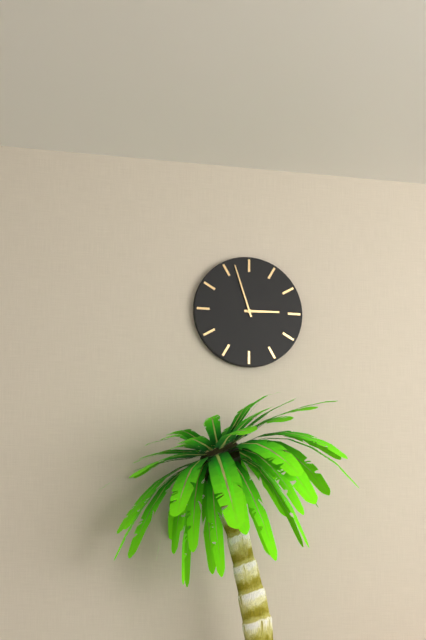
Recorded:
2.57
